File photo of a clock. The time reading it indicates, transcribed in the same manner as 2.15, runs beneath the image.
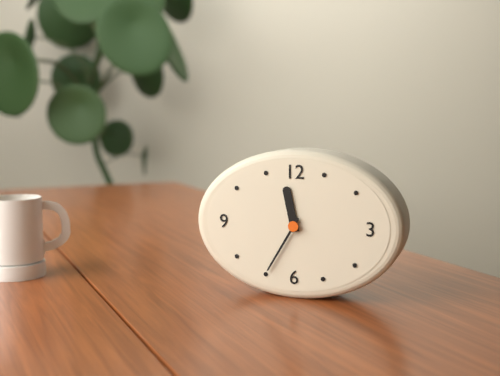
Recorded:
11.35
